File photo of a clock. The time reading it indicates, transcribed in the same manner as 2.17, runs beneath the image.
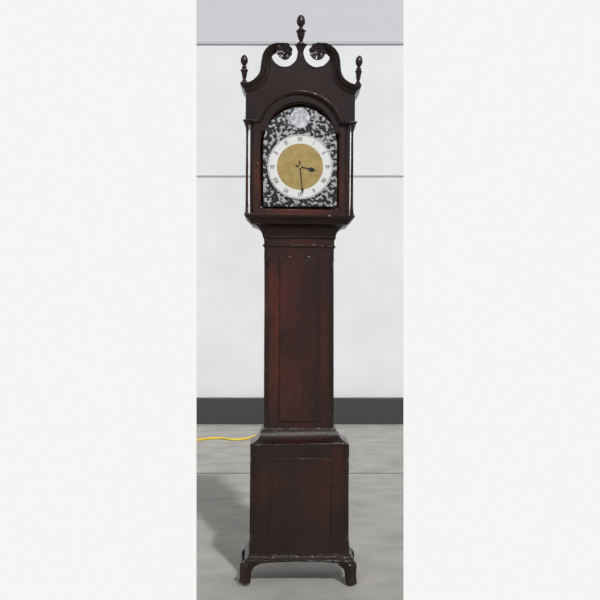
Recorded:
3.29
